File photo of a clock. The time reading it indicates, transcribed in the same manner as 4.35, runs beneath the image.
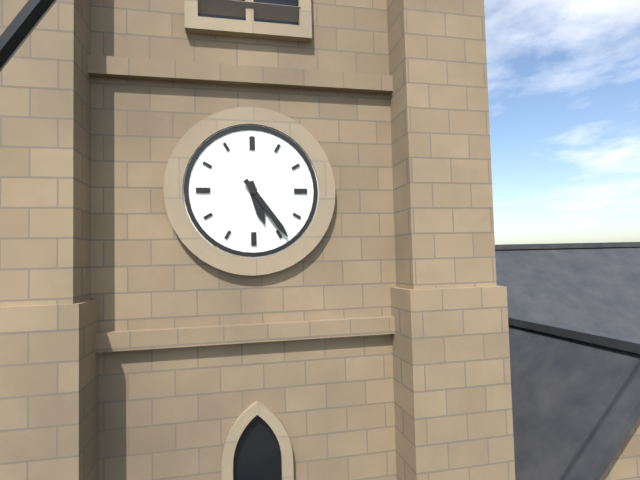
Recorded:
5.24
